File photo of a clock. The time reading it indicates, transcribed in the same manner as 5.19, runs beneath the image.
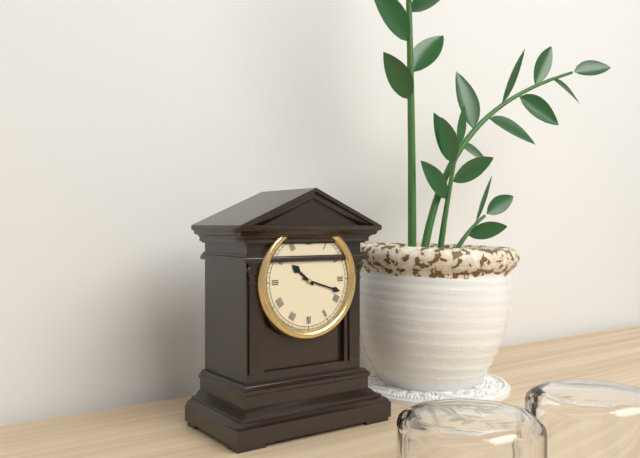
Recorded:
10.18
